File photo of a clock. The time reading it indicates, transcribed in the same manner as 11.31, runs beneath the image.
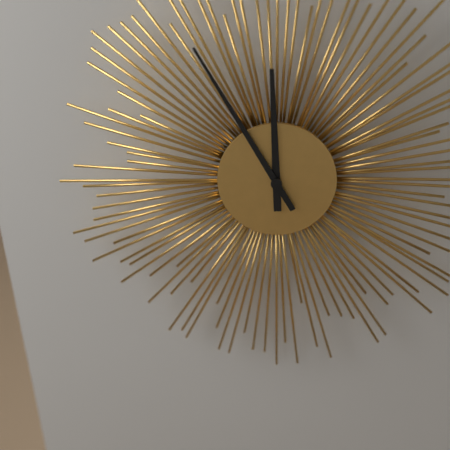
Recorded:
11.55
